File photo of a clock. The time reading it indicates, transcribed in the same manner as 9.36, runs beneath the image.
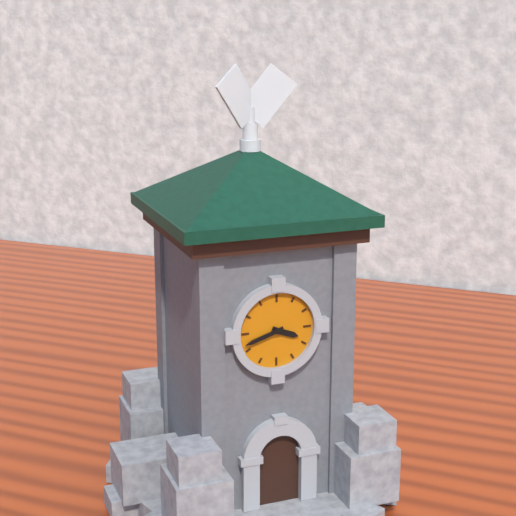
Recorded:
3.42
